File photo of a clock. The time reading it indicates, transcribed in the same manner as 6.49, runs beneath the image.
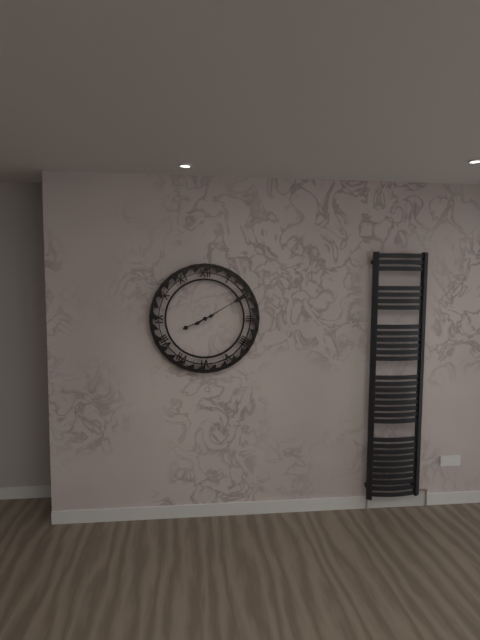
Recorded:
8.10
